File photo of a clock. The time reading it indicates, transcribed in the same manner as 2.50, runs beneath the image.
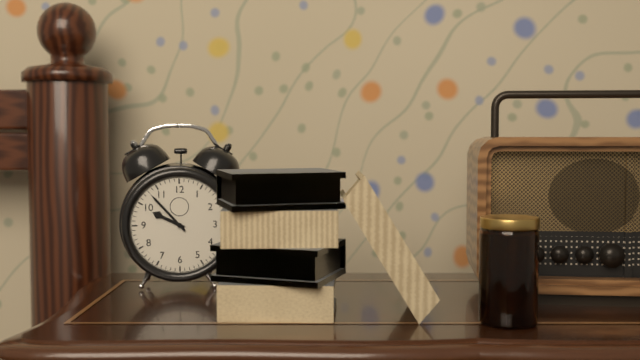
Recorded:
9.53
